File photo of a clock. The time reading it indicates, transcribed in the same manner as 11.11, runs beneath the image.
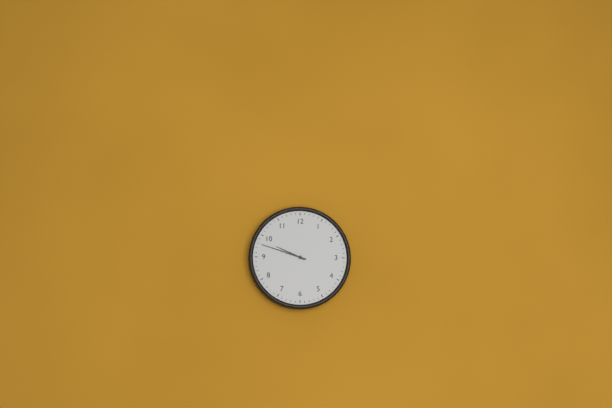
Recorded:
9.48
